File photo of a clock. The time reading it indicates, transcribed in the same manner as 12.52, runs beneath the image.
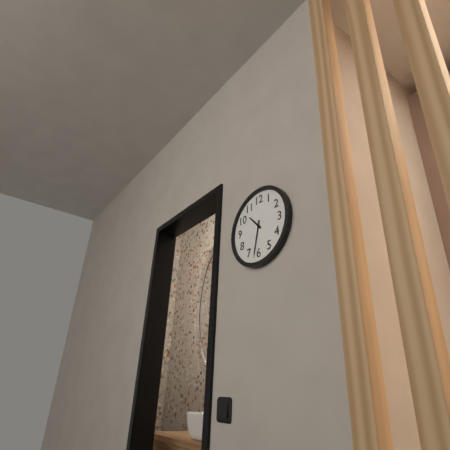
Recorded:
10.32
